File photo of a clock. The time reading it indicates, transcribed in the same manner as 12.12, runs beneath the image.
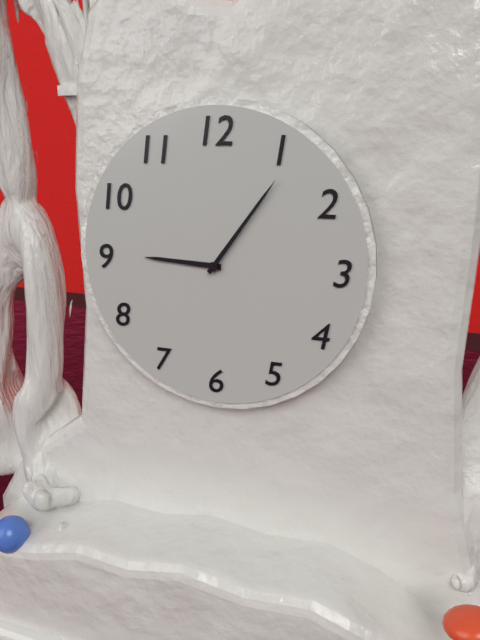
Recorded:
9.06
